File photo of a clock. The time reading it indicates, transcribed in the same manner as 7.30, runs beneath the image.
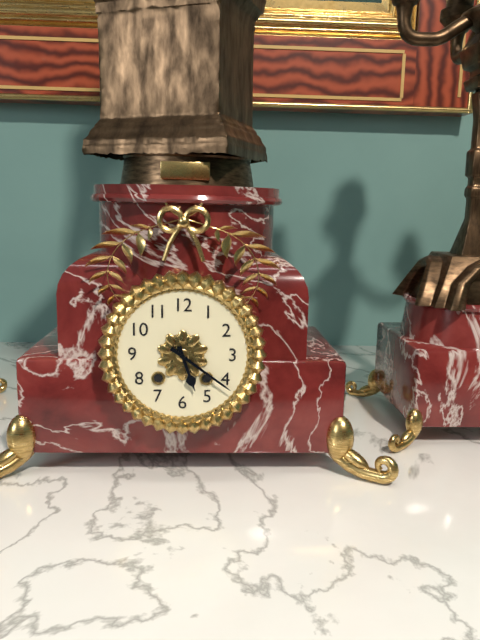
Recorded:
5.21
